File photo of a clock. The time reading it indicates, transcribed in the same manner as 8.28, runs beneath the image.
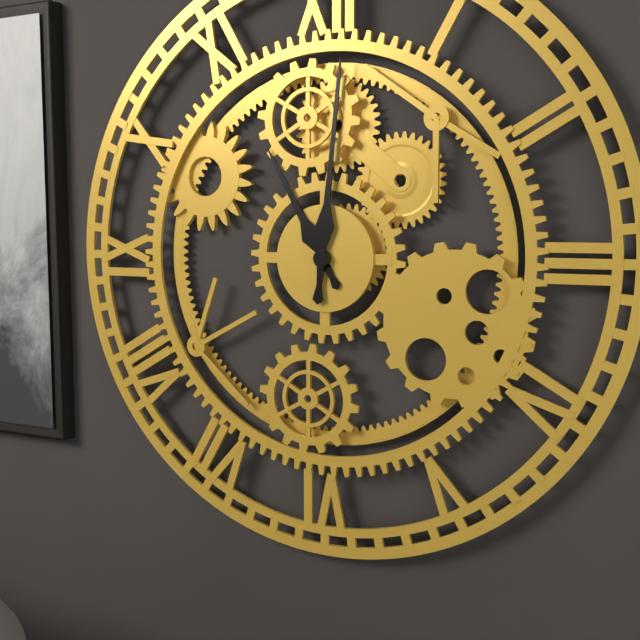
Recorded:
11.01
